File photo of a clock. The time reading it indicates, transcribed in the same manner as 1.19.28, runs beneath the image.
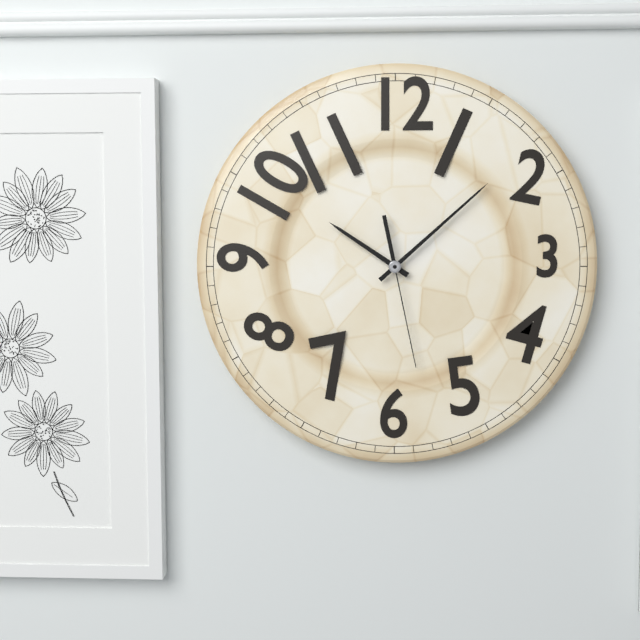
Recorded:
10.08.28
